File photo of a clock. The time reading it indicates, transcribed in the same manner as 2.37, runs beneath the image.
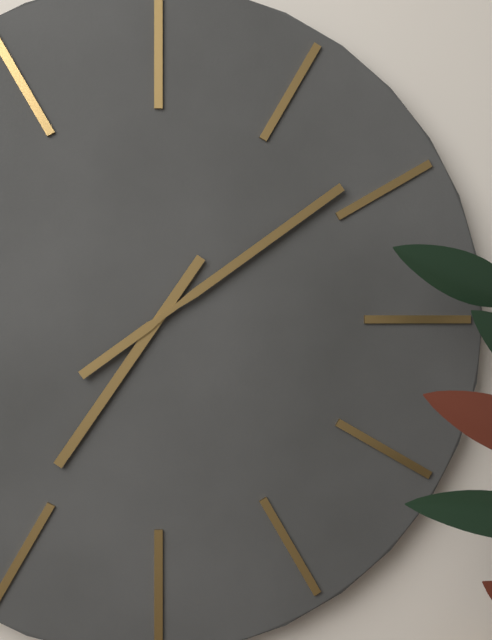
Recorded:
7.09
